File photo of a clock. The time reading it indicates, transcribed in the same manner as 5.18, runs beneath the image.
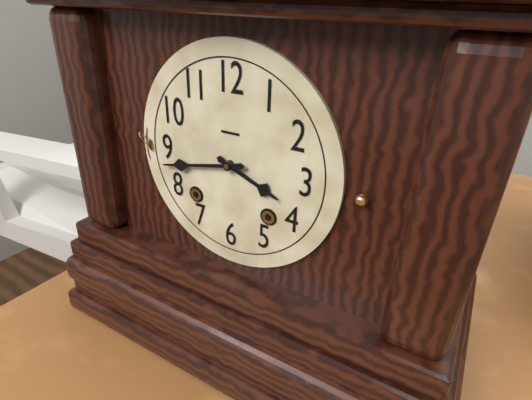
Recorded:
3.43
